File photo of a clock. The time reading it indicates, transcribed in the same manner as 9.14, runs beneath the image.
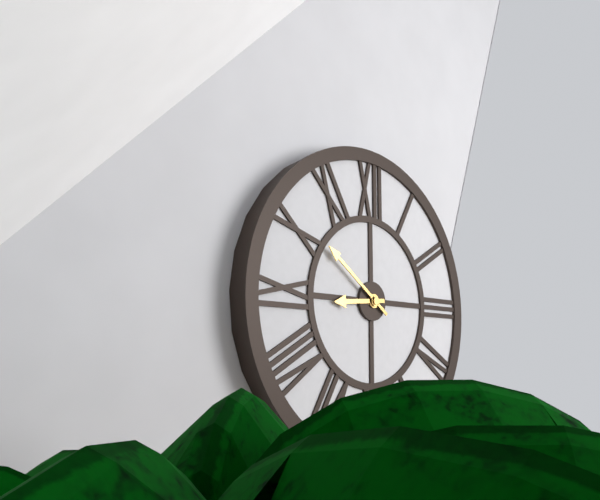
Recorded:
8.51
